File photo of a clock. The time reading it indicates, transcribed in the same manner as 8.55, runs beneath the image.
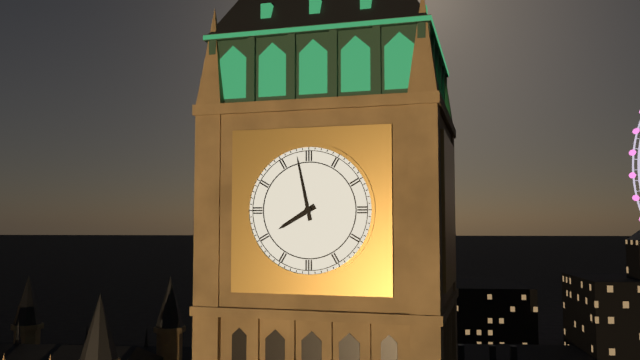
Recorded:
7.58
